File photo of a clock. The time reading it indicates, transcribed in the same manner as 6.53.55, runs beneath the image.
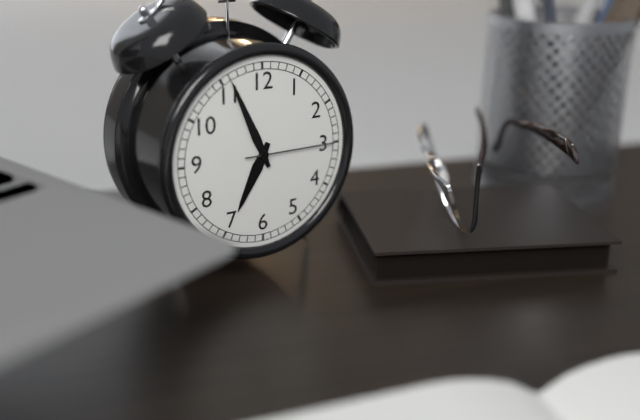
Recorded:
6.56.15
